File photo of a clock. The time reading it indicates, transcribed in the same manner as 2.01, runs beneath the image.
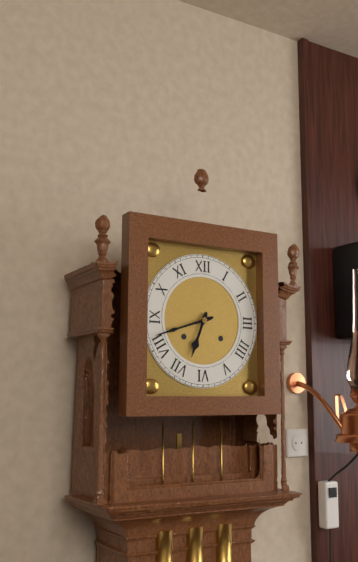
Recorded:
6.42
